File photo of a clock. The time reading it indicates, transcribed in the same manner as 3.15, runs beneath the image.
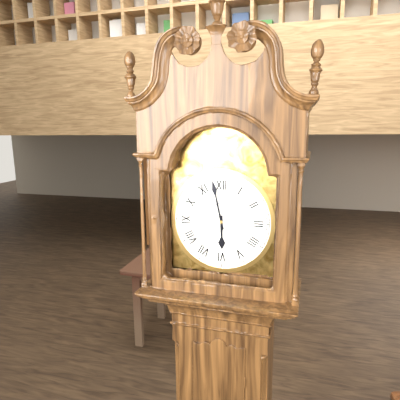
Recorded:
5.58
